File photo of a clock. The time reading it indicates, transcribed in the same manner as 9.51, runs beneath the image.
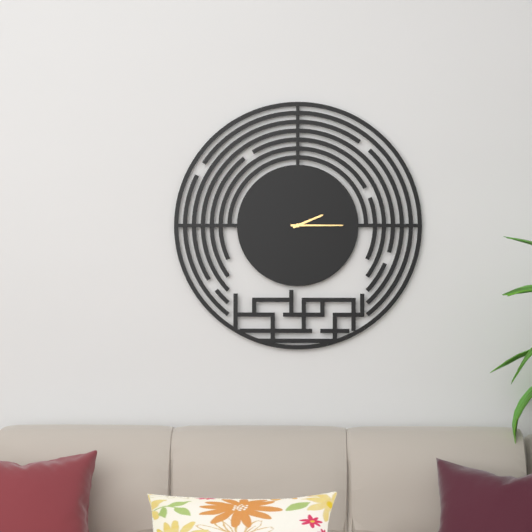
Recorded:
2.15
